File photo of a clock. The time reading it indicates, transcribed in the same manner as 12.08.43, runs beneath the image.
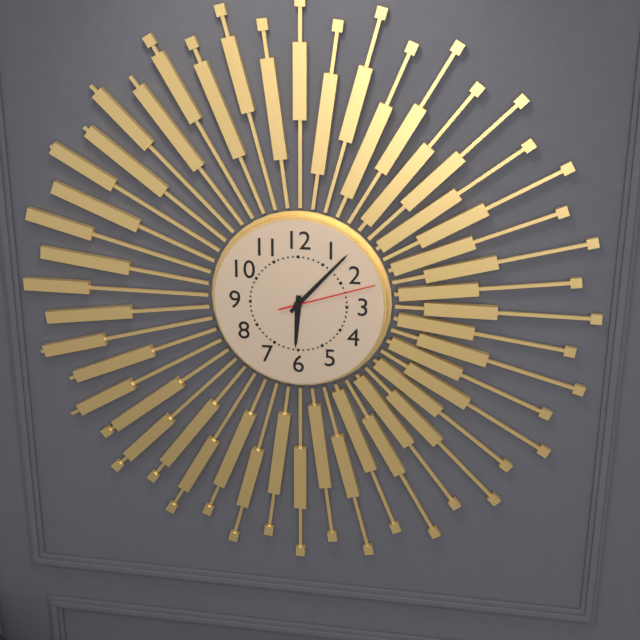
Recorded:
6.07.12
